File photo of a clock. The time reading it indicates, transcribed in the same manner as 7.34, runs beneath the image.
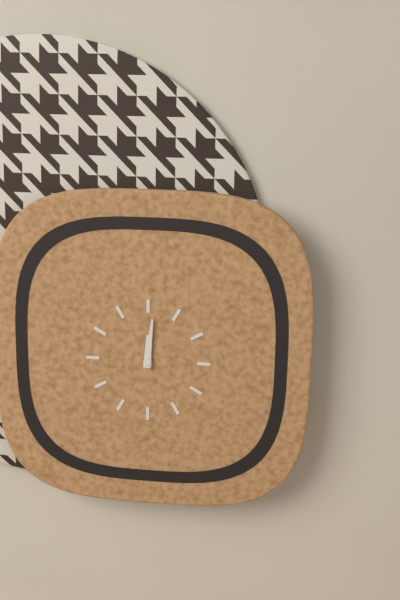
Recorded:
12.01
